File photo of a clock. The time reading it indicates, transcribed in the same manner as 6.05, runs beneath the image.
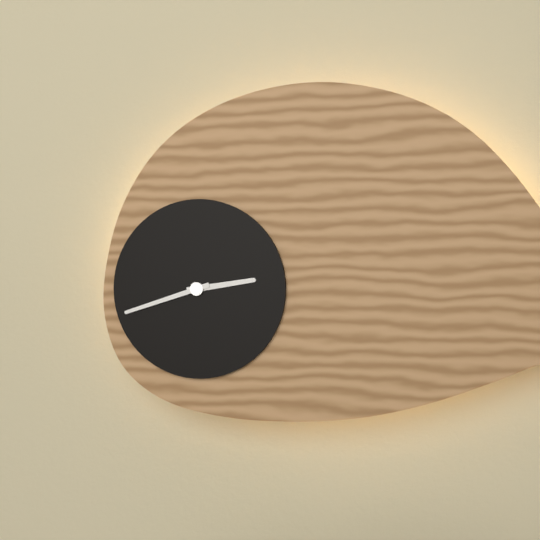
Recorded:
2.42
